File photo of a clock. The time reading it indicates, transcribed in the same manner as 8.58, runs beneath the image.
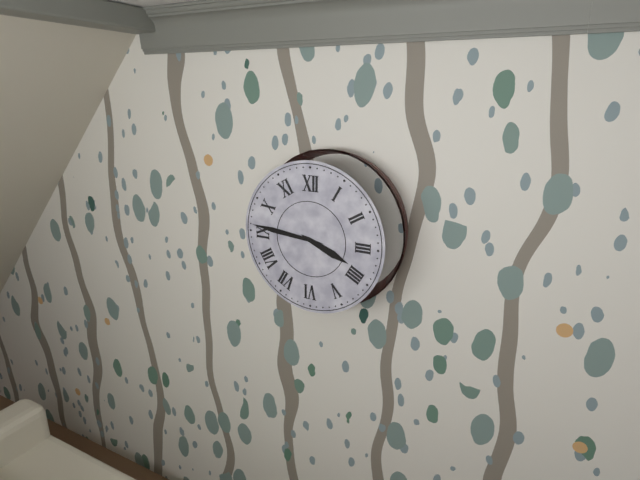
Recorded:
3.46
